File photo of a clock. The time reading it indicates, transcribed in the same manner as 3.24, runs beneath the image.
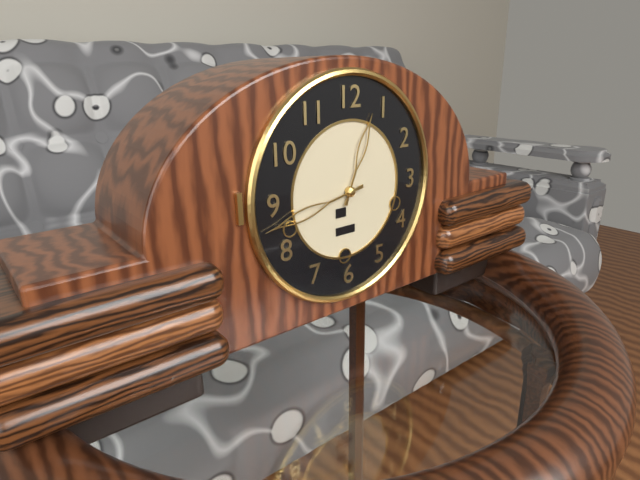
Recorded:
12.43
